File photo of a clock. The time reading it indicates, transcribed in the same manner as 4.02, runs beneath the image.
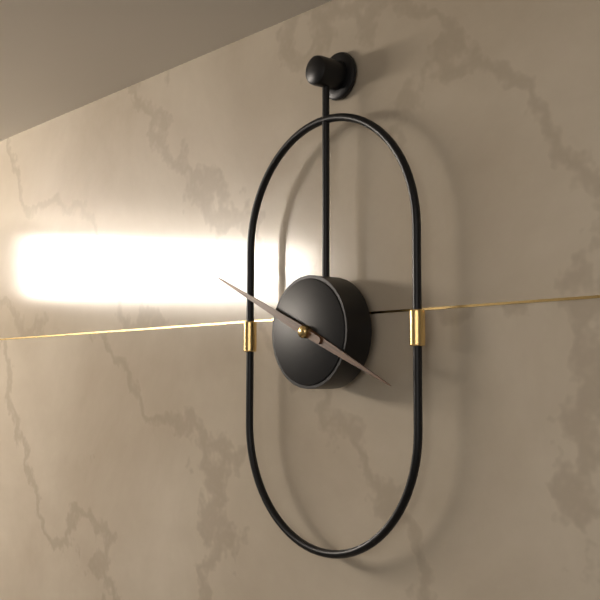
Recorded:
3.49
